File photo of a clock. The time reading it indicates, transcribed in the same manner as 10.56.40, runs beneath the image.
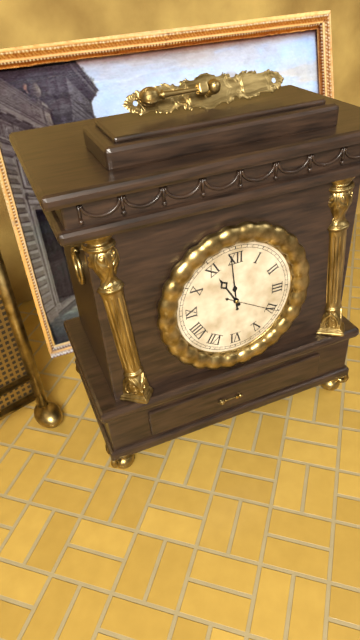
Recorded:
10.59.20
